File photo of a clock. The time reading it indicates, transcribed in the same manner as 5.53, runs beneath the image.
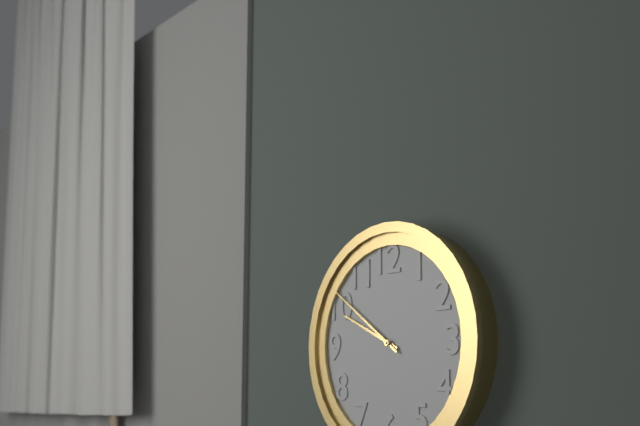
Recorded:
9.51
